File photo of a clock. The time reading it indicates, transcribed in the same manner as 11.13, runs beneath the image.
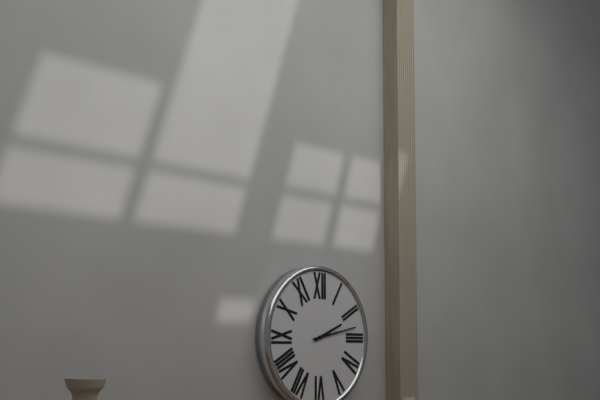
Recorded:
2.13
